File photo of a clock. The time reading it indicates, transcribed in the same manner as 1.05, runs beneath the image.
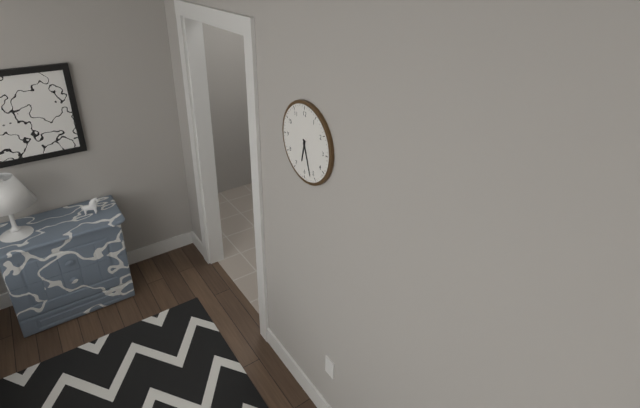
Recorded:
6.27
